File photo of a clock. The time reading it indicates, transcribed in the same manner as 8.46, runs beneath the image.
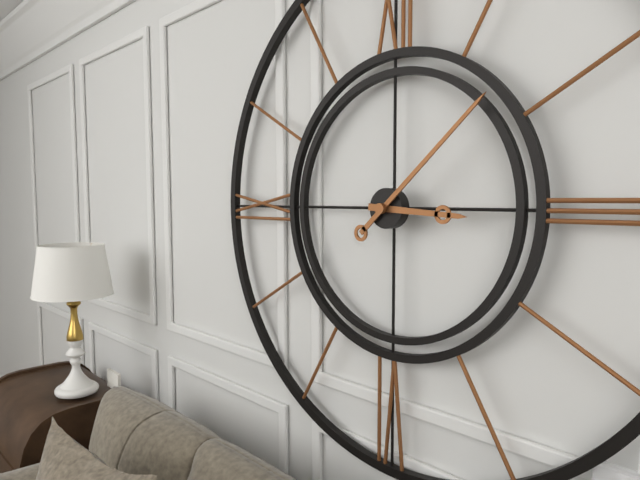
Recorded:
3.08
